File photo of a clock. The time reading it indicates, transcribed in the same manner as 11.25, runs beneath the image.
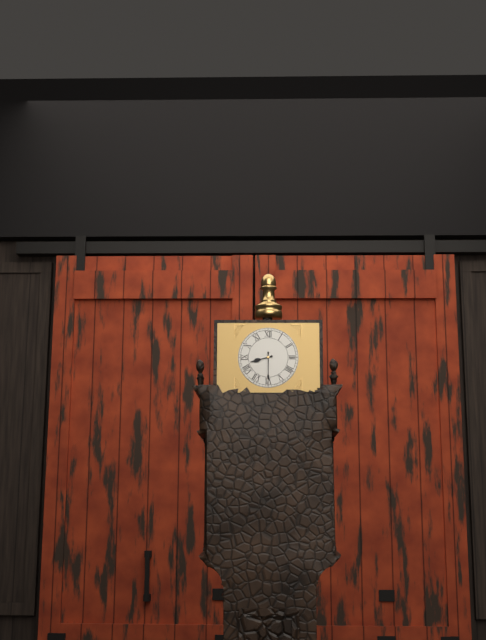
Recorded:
8.30
